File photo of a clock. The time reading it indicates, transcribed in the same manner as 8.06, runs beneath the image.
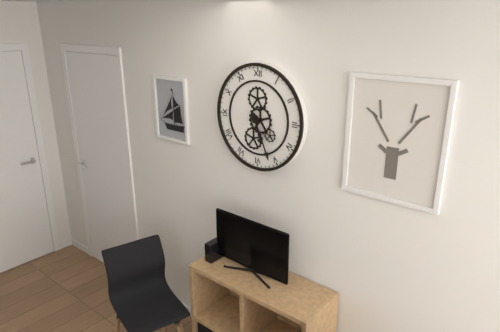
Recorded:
5.26
